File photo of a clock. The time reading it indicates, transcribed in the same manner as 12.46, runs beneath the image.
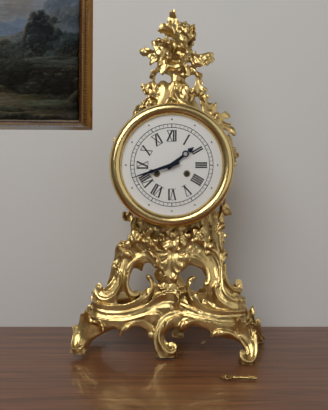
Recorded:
1.42
